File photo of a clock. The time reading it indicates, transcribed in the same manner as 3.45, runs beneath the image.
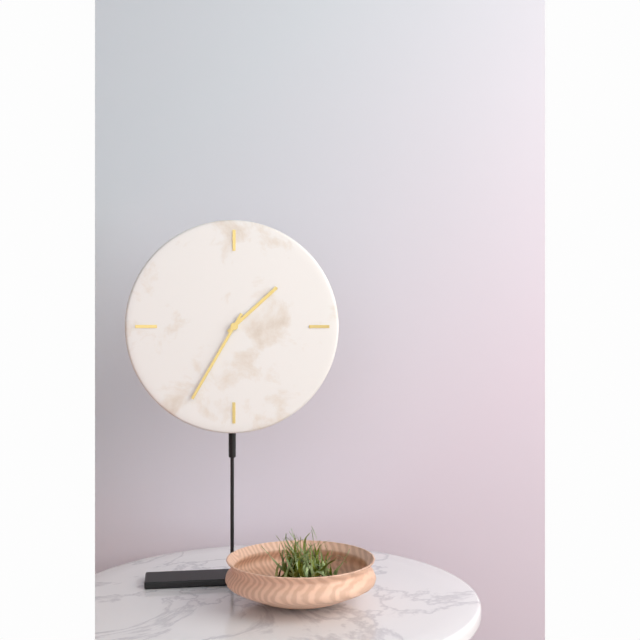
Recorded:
1.35
